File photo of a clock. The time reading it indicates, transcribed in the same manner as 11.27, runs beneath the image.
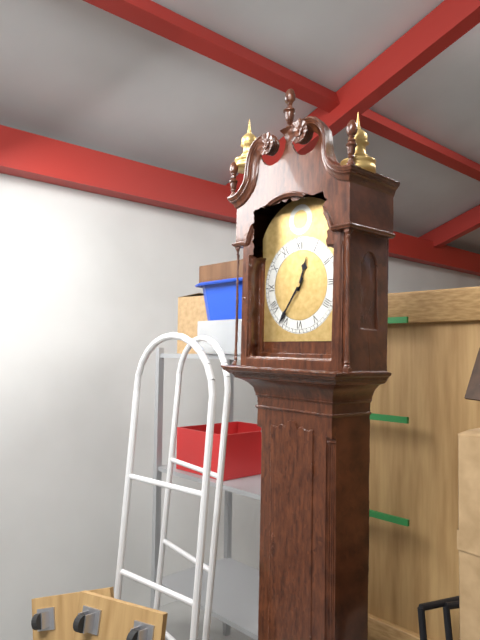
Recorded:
12.36
